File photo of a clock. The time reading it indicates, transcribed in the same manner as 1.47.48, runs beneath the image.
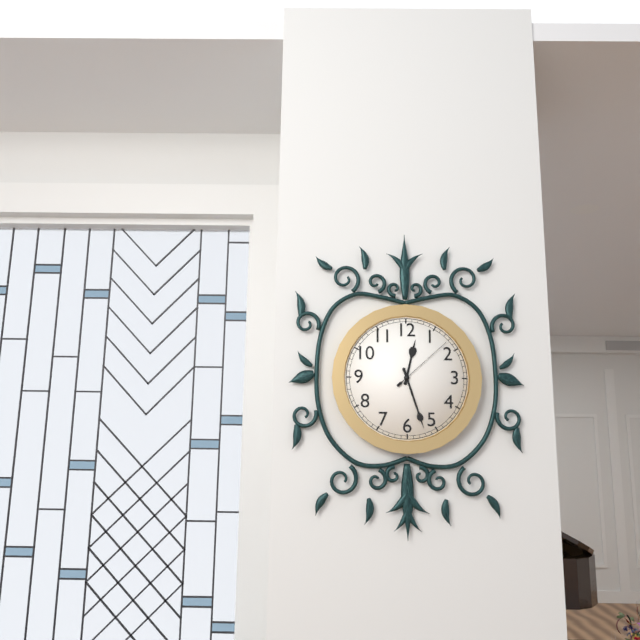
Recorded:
12.27.08
